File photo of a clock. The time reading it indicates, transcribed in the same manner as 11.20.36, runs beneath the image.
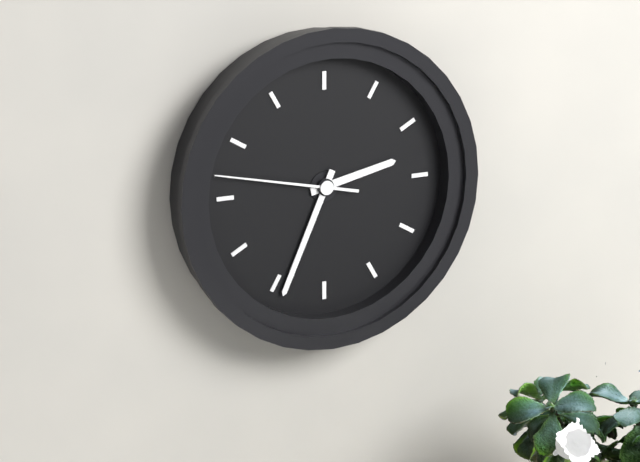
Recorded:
2.34.47
